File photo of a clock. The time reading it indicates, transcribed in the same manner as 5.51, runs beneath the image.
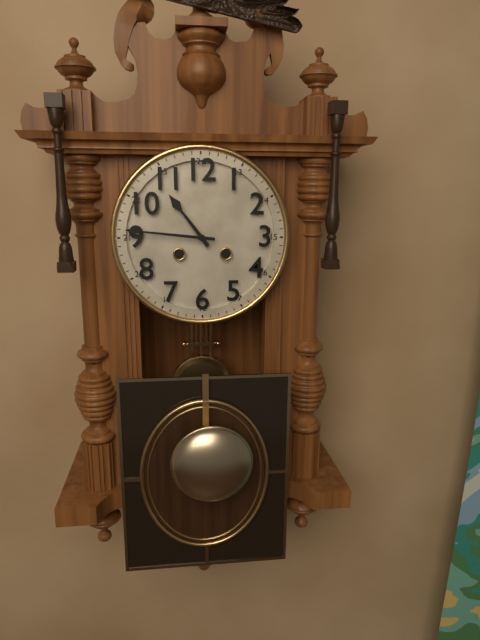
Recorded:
10.46
